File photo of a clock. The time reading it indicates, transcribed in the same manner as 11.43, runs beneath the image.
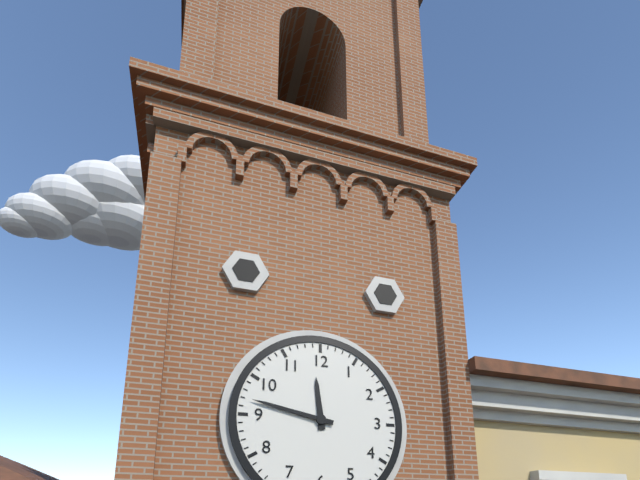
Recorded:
11.47
